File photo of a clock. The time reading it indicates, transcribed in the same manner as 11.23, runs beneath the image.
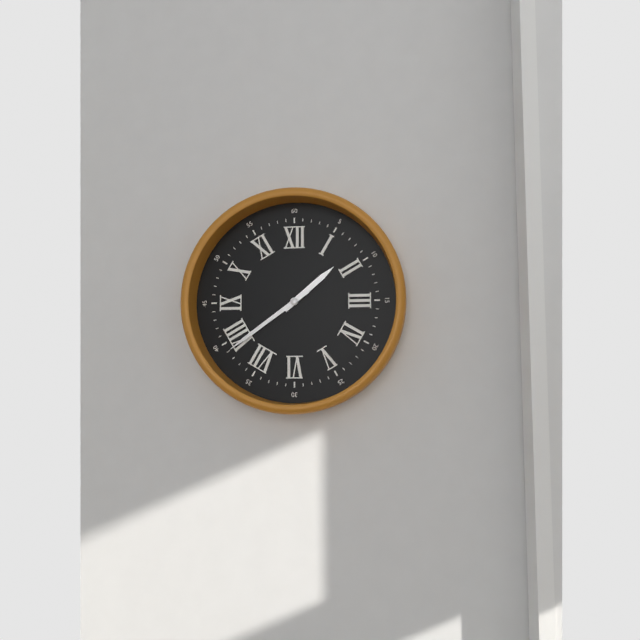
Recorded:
1.39
